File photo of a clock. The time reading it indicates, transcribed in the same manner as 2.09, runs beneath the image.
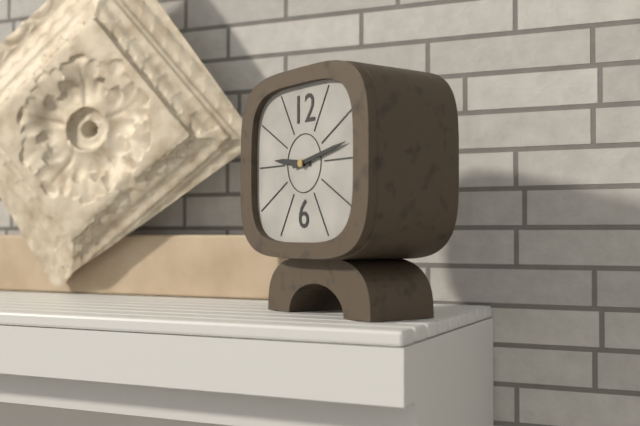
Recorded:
9.13
